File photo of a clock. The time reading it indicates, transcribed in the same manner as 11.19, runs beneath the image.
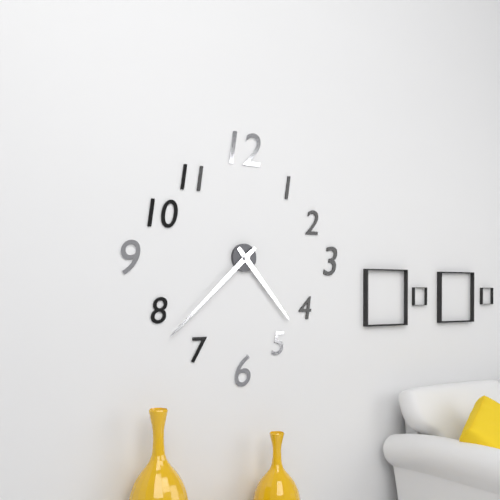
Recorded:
4.38
